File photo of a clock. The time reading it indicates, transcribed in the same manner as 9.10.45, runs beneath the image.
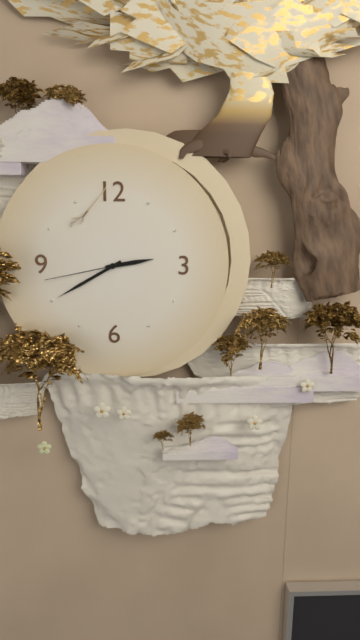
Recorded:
2.40.43
